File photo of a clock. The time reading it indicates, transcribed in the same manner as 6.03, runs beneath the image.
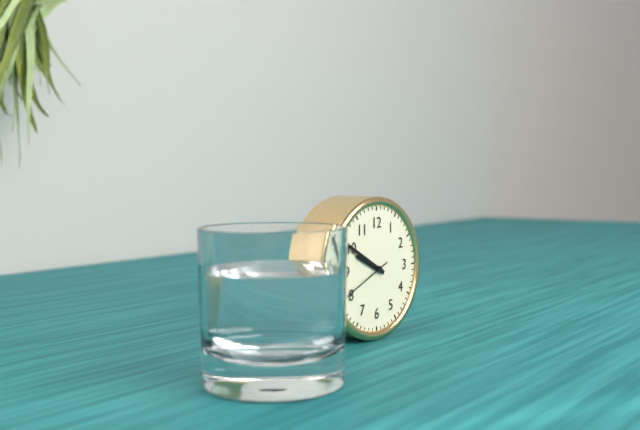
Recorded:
9.50
